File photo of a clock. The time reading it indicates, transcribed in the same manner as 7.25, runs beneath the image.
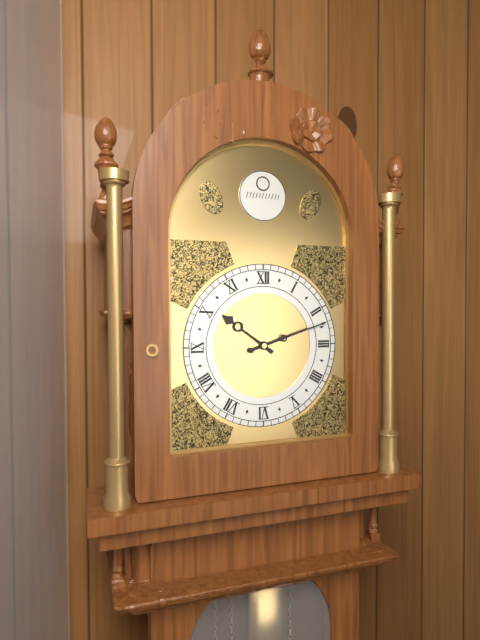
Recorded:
10.12
